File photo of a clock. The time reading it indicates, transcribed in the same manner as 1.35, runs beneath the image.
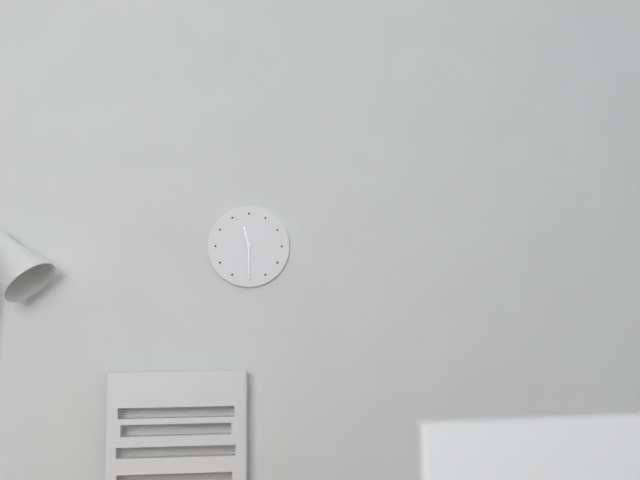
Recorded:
11.30
